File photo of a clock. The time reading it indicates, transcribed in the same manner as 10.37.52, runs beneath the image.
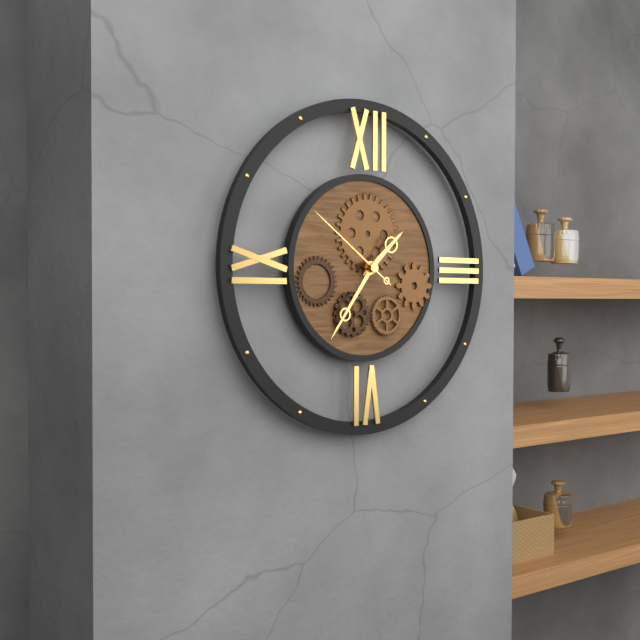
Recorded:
1.36.51
